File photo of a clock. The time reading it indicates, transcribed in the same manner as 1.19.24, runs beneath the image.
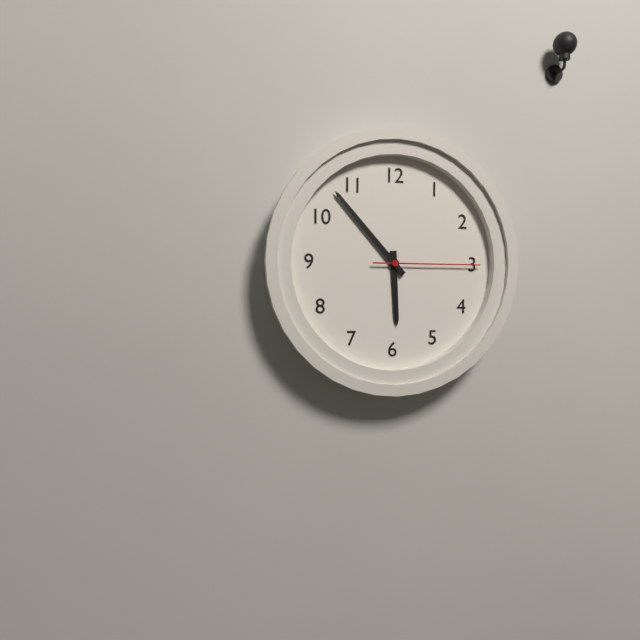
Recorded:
5.53.15
